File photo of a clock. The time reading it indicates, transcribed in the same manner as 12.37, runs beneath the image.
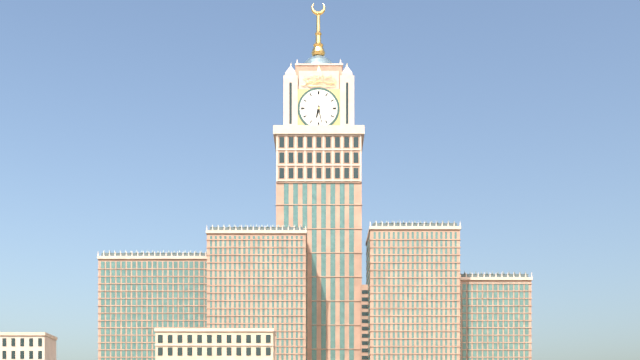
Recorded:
6.28
